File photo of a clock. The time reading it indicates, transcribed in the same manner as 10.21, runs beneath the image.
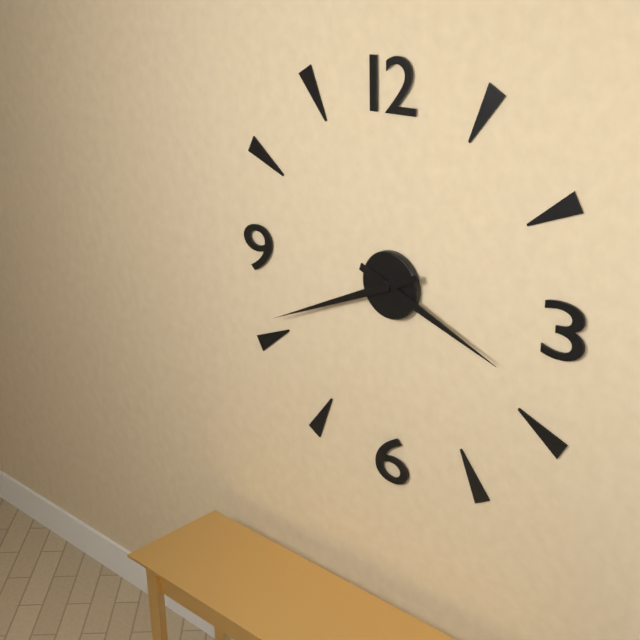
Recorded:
3.41
